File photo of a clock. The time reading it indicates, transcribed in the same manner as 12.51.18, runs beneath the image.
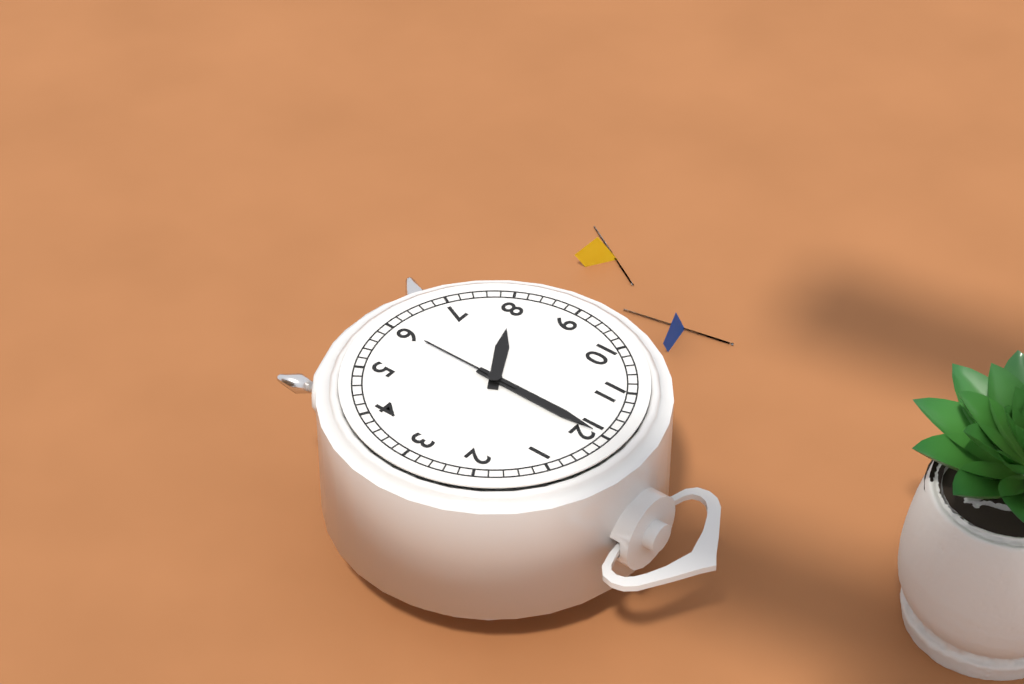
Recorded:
8.00.30
